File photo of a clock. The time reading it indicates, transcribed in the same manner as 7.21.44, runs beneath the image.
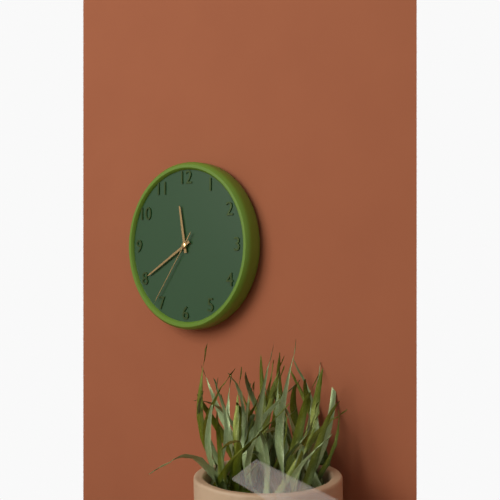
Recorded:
11.40.36
